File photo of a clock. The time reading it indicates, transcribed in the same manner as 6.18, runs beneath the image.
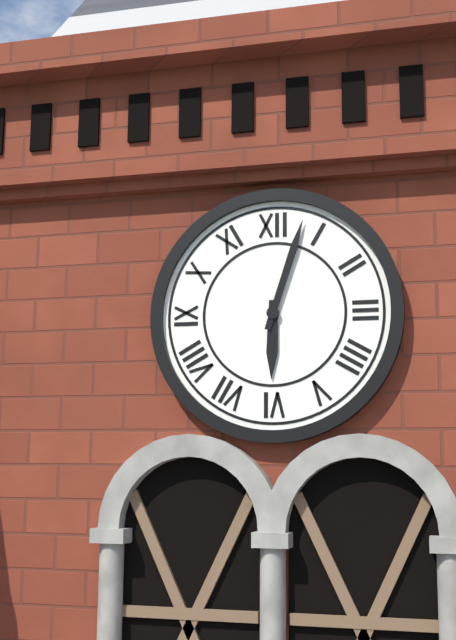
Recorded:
6.03
